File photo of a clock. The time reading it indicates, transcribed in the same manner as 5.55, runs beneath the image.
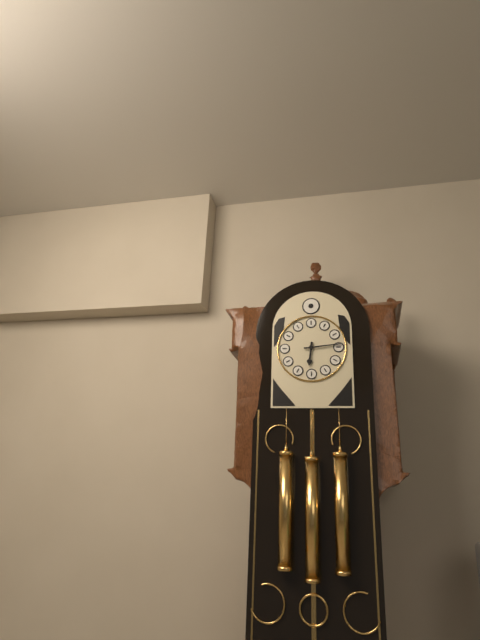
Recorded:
6.14
